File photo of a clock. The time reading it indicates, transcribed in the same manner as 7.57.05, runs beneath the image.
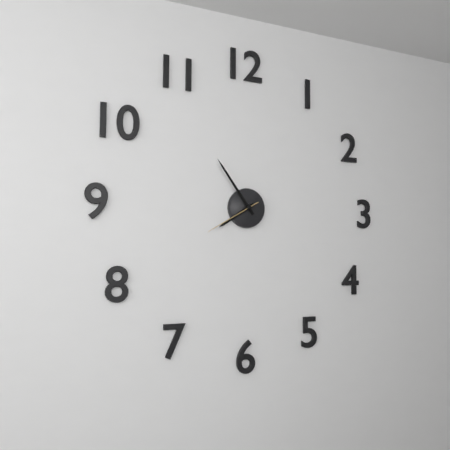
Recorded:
7.54.40
